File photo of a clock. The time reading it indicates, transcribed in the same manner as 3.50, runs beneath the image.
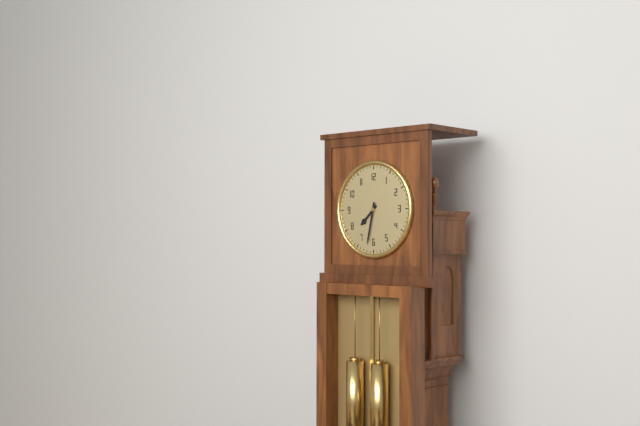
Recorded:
7.32
